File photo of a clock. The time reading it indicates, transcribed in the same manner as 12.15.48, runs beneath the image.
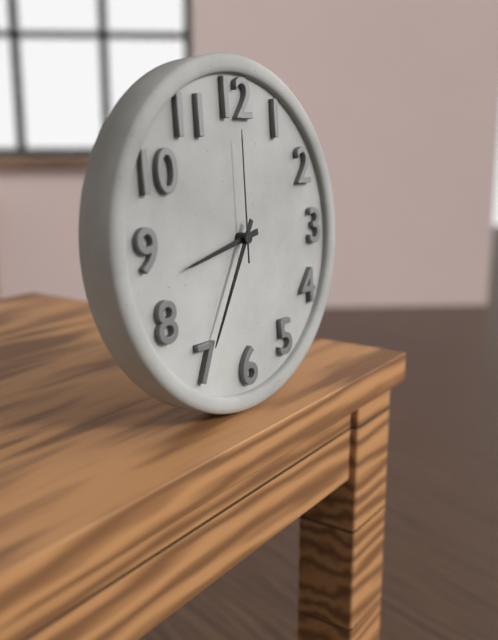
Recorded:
8.35.00
